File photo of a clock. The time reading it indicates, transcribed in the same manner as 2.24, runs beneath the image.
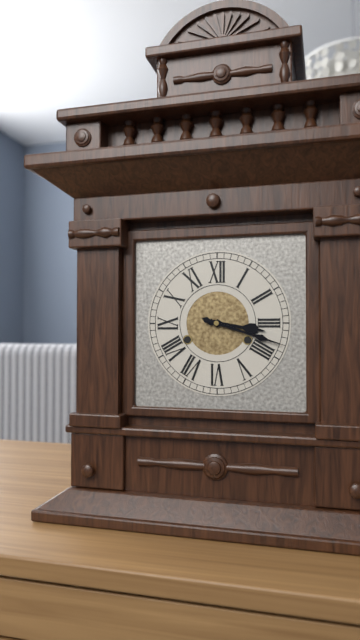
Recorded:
3.18
